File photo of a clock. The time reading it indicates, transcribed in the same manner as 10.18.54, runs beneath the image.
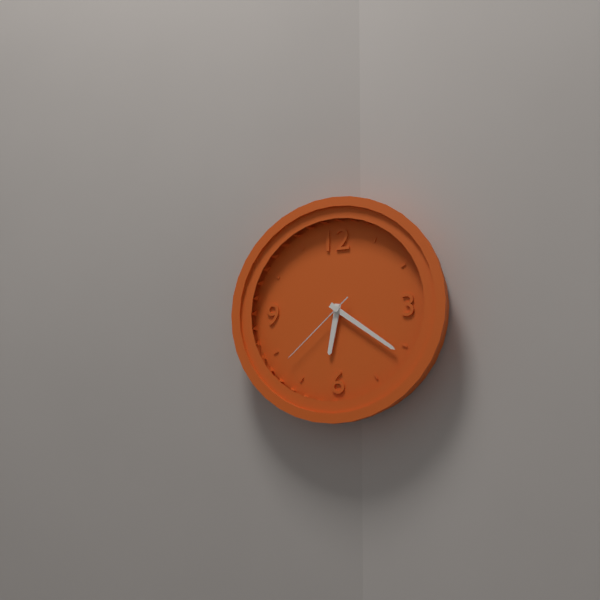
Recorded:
6.21.38
